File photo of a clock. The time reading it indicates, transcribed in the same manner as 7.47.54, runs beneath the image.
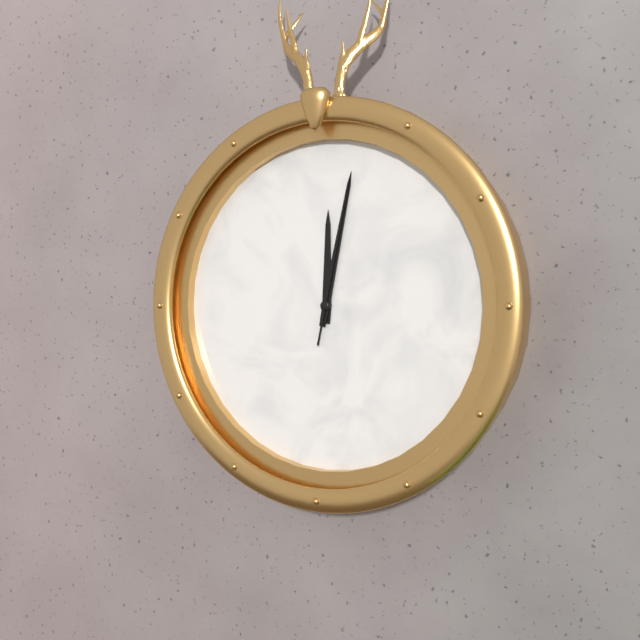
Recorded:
12.02.02
